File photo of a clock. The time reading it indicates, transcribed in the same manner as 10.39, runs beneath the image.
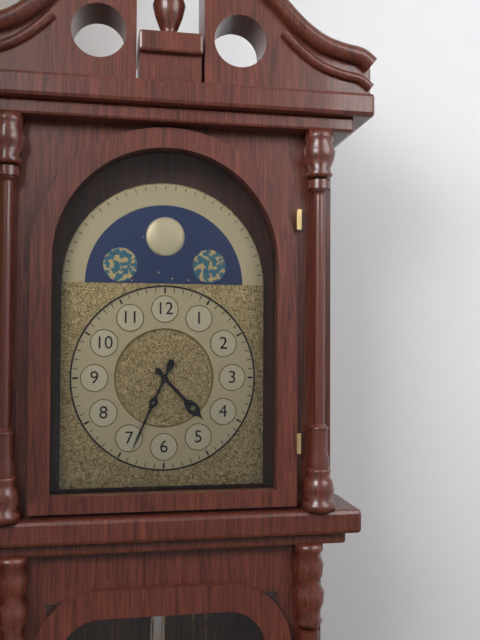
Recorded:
4.34
